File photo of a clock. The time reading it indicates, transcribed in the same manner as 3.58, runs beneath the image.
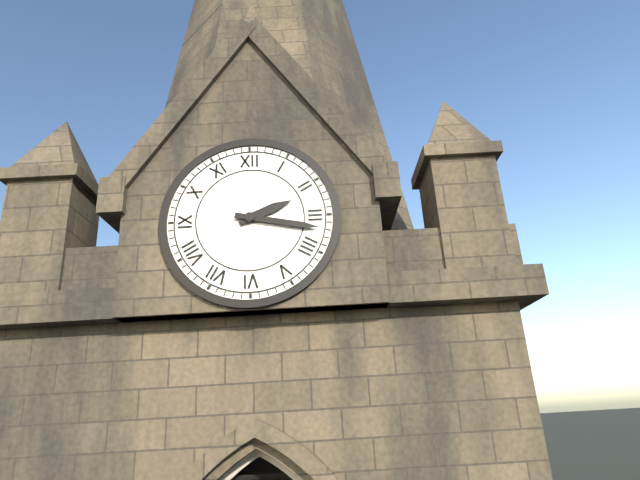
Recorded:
2.17
